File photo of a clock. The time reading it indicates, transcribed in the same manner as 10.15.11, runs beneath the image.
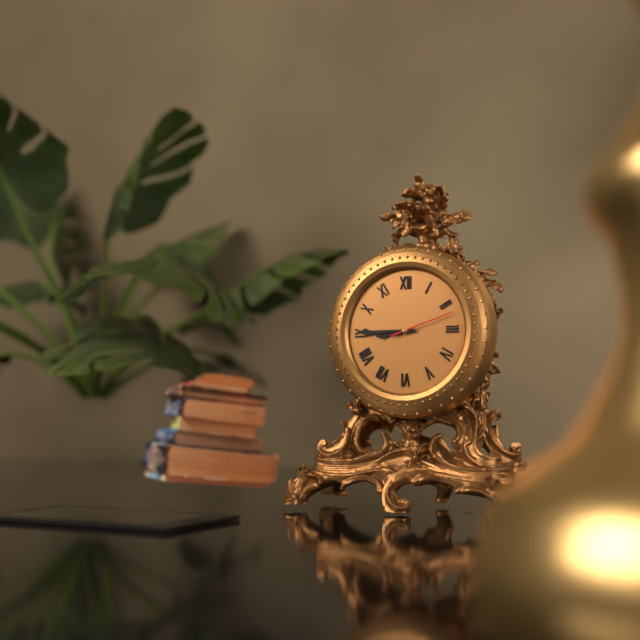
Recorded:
8.45.12
